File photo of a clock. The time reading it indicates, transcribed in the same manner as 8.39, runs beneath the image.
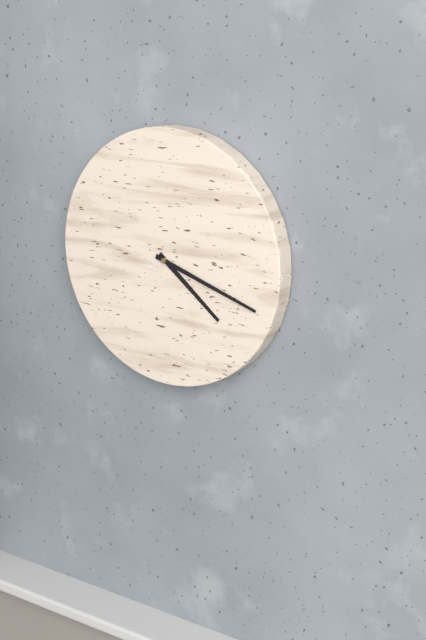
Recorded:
4.18
